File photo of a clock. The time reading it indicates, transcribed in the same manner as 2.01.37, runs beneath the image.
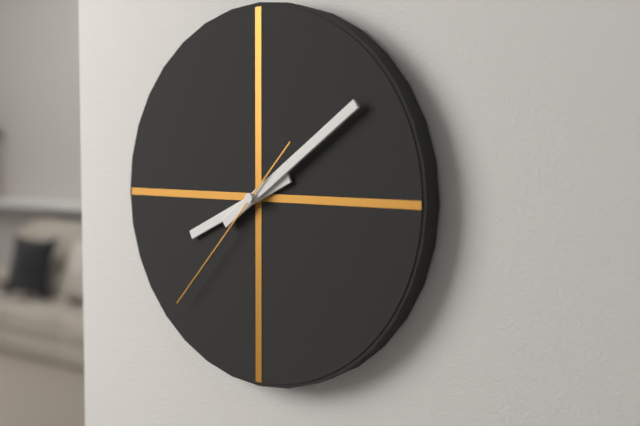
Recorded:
8.09.37
